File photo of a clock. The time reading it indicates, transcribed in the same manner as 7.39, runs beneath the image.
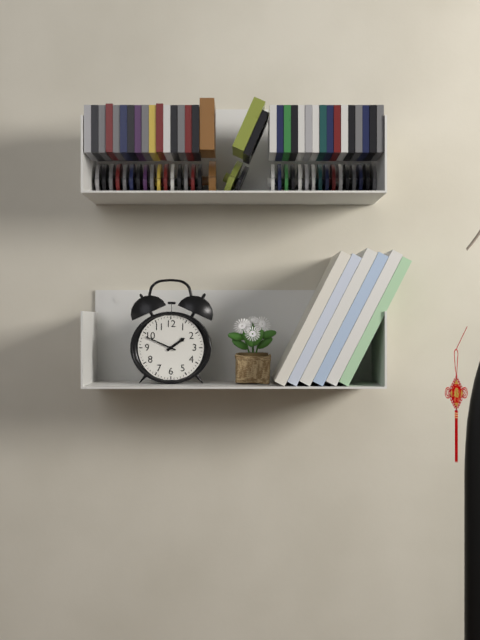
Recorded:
1.49
